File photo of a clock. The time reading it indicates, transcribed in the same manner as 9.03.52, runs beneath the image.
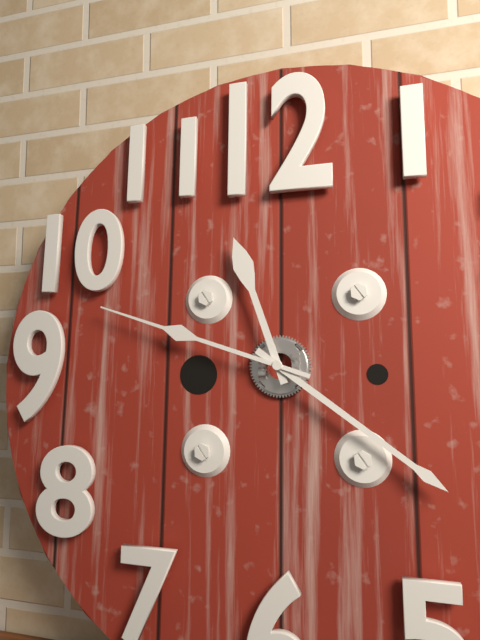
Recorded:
11.21.48
